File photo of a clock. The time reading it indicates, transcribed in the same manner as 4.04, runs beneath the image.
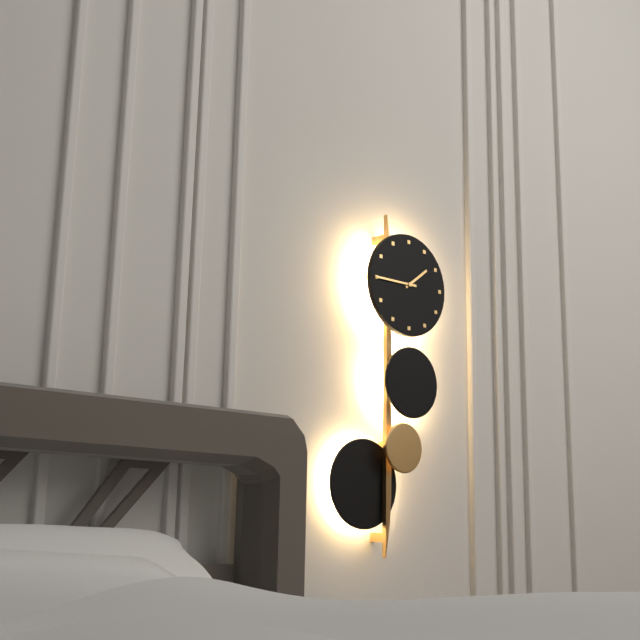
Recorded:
1.45
